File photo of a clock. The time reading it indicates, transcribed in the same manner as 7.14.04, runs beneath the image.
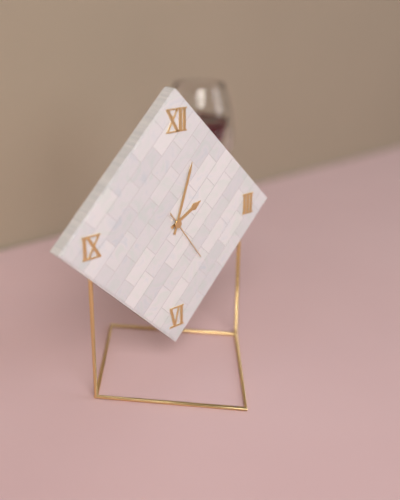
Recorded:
2.03.24
